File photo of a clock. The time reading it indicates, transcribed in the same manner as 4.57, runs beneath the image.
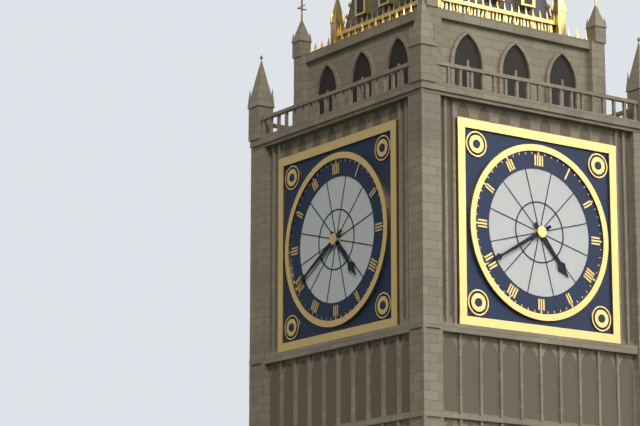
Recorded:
4.40
